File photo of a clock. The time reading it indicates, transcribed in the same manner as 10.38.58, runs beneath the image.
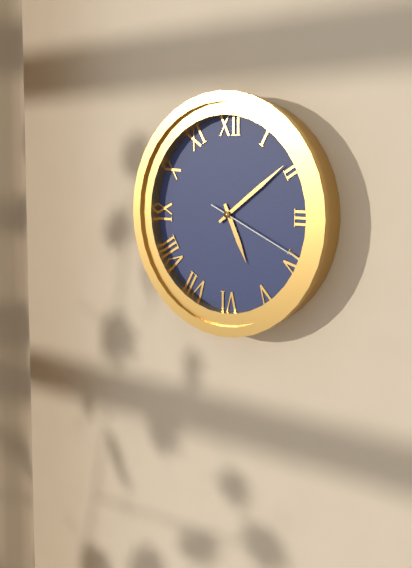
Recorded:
5.09.19
